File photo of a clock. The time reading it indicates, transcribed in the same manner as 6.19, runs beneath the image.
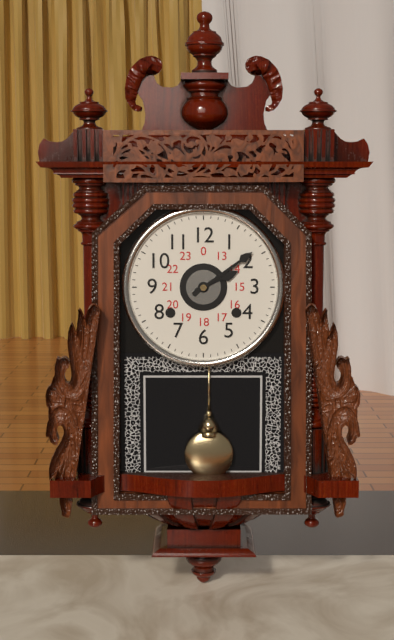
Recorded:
2.09
